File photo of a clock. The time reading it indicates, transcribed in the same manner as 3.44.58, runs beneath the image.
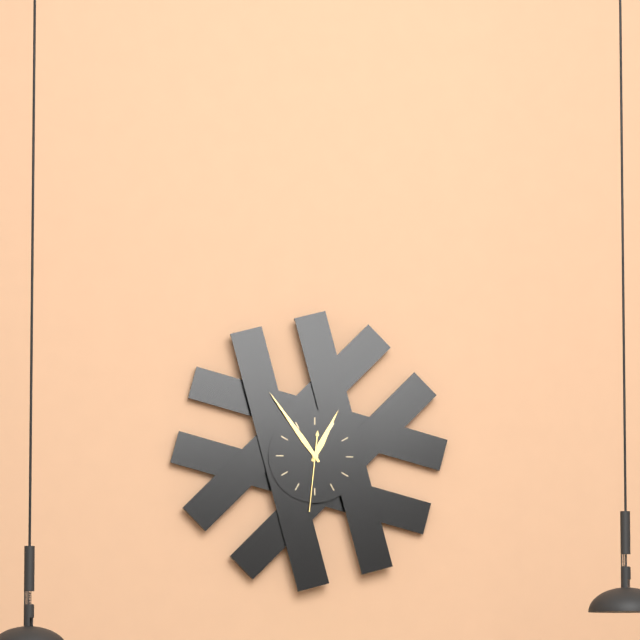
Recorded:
12.54.31
